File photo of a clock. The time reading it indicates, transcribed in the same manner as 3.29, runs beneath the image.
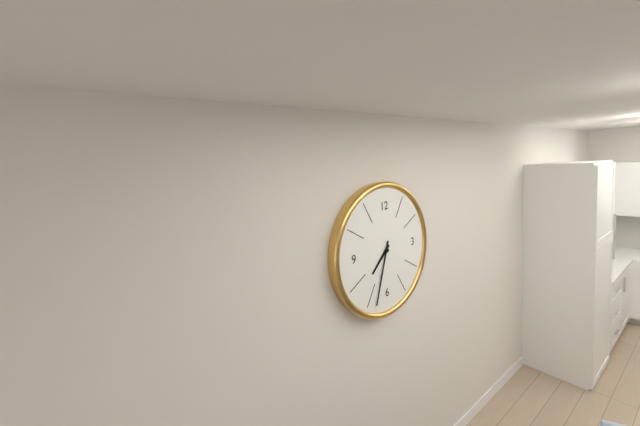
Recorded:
7.33
